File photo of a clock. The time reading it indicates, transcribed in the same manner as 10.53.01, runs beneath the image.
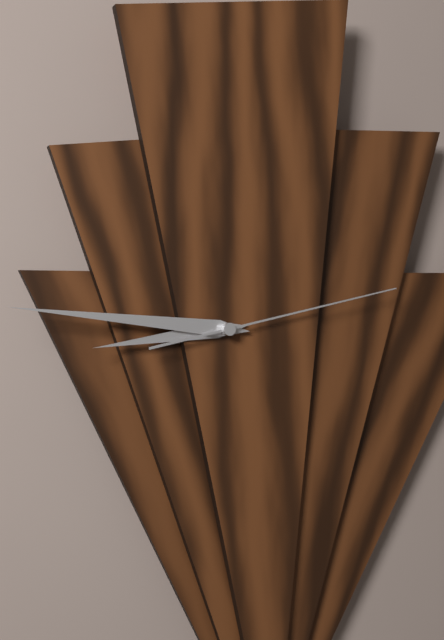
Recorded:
8.46.13
